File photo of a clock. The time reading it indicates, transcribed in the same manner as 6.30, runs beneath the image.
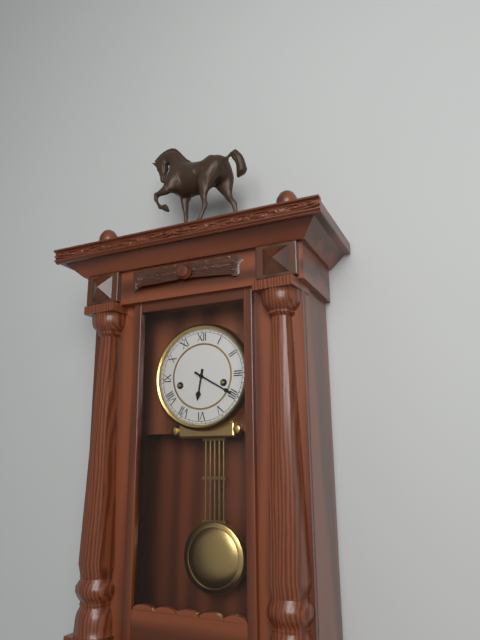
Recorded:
6.20
